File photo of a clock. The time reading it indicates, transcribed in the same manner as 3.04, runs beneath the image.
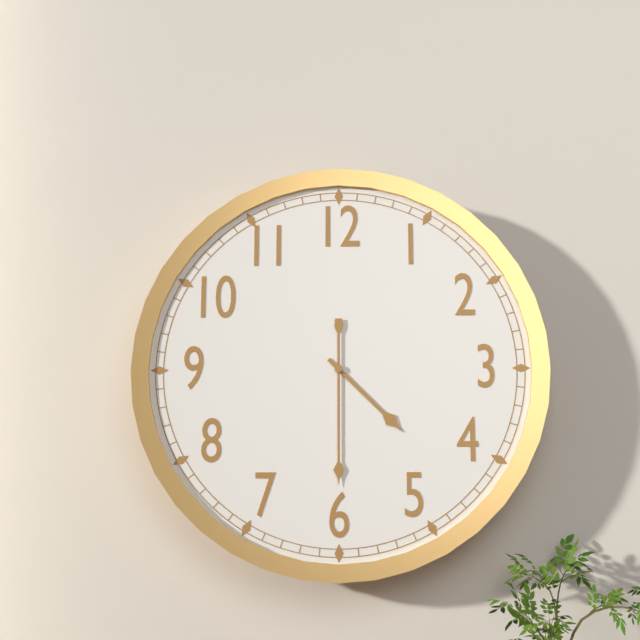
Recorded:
4.30
